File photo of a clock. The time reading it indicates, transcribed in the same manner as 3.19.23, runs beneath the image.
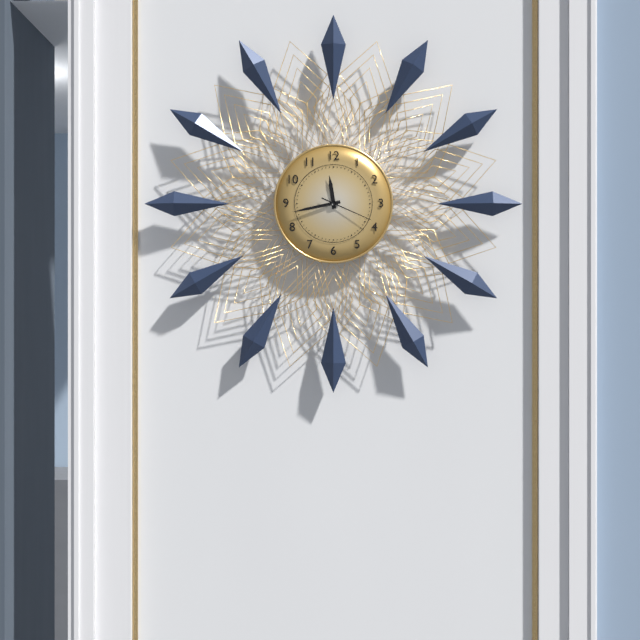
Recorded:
11.43.19
